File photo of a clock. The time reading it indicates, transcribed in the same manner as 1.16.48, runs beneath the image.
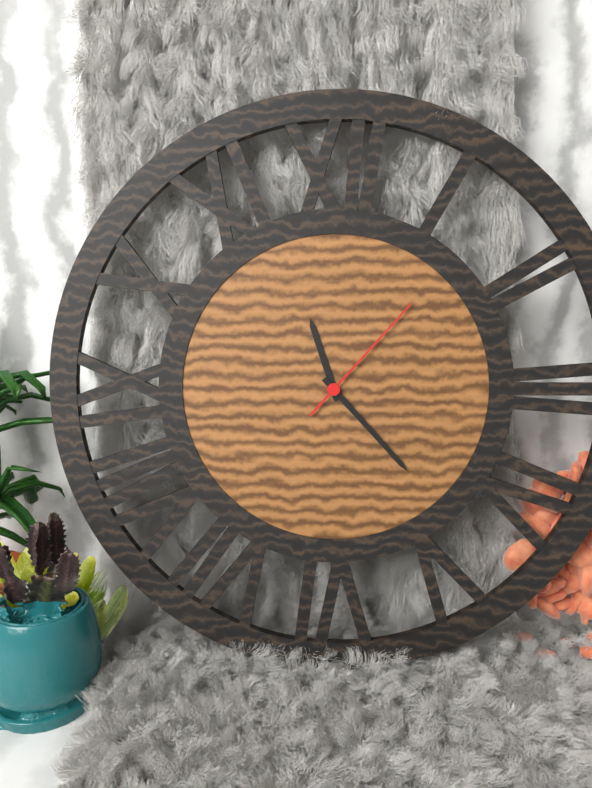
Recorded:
11.23.07
